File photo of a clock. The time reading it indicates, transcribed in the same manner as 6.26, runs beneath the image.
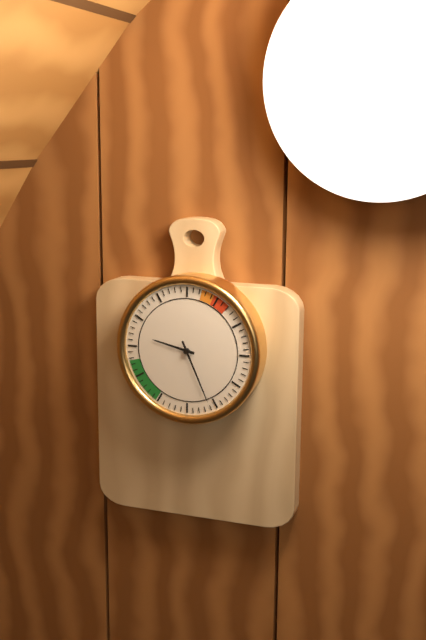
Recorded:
9.26
